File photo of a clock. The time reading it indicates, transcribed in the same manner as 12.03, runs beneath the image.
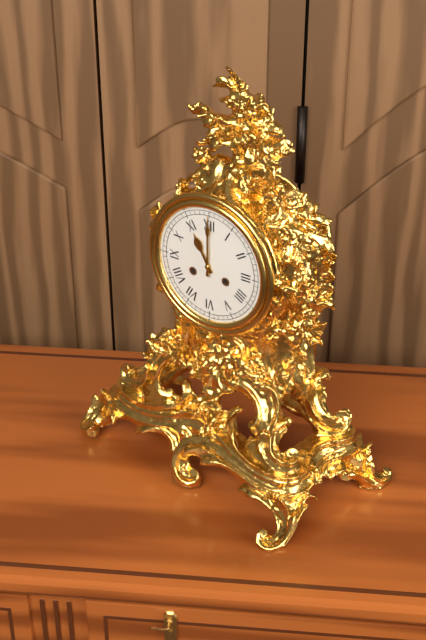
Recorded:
11.00
